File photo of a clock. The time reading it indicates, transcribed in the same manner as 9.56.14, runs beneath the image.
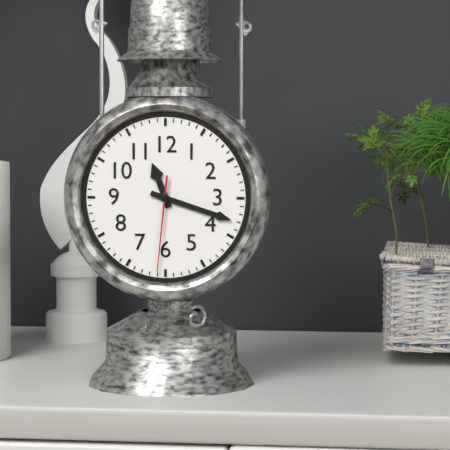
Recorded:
11.18.31
